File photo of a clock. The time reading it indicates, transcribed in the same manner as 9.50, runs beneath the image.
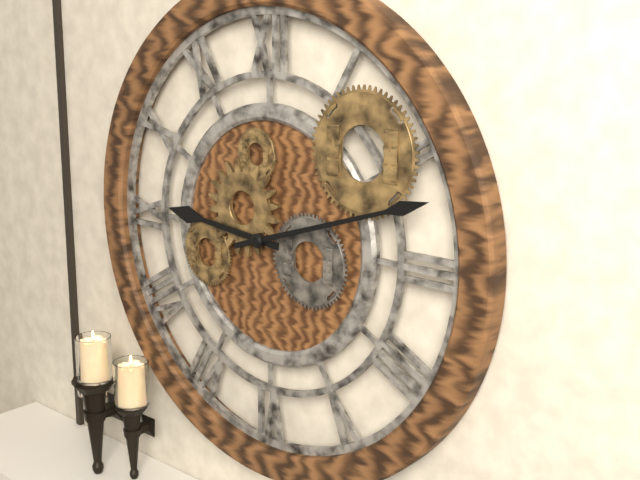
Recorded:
9.12
